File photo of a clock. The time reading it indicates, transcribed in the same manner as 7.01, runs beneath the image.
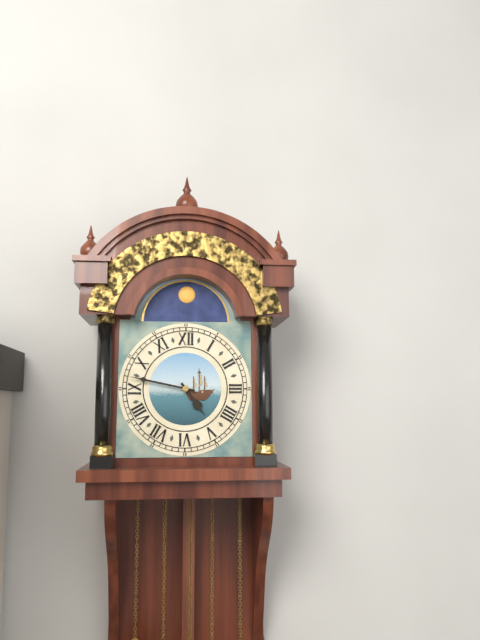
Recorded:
4.47
